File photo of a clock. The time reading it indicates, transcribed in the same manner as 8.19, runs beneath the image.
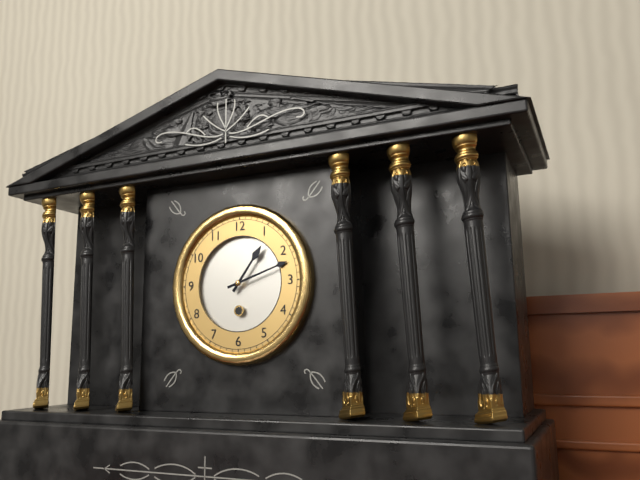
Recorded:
1.12
